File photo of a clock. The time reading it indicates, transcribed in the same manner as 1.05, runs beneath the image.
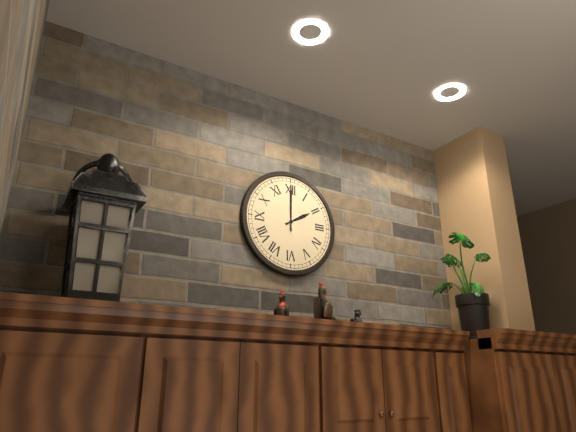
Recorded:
2.00
